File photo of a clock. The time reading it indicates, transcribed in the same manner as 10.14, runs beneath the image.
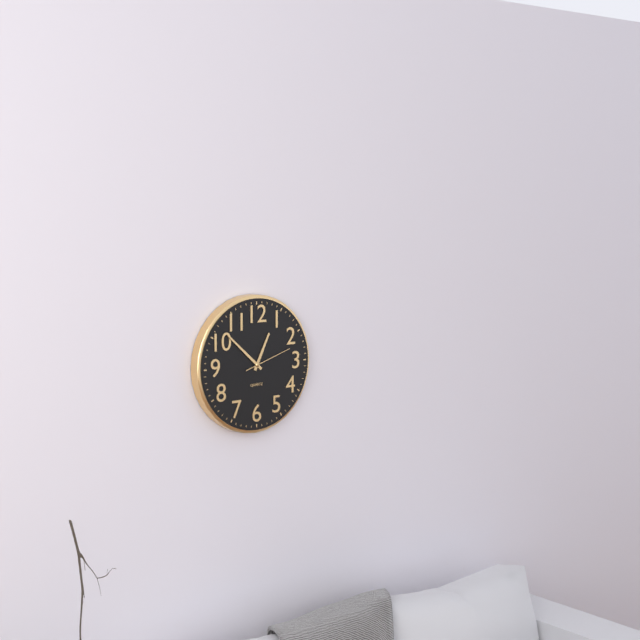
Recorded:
12.52
